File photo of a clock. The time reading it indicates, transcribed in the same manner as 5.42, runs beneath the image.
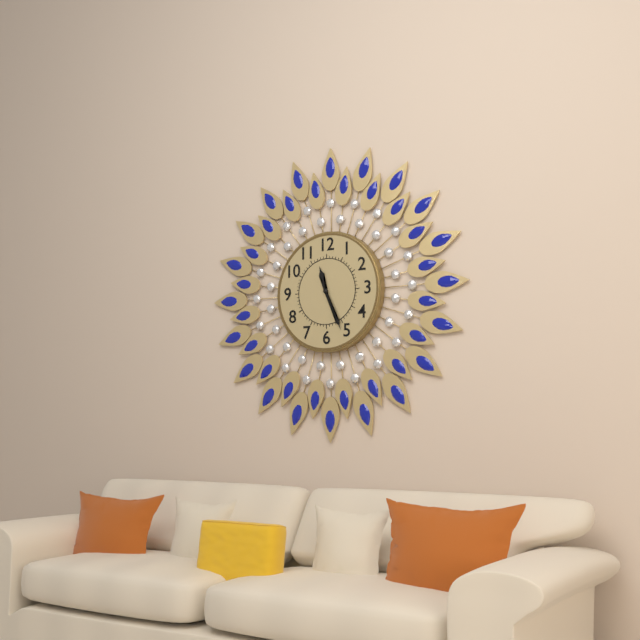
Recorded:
11.26
